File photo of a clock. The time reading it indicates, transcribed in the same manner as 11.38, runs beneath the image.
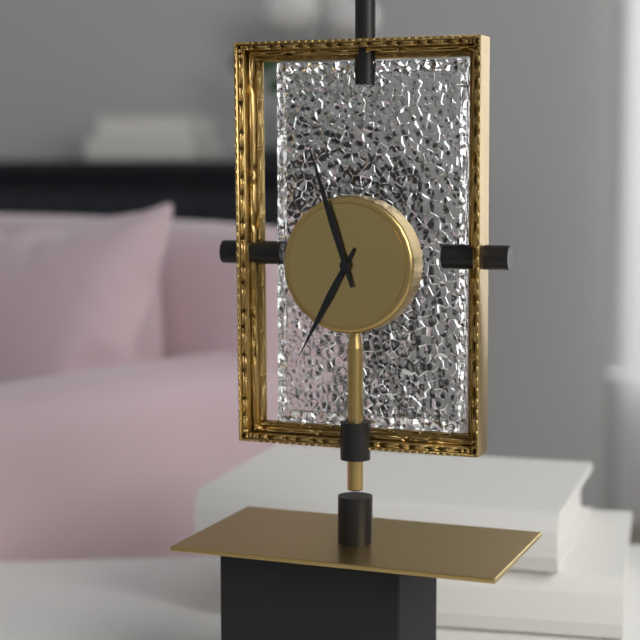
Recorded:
6.57
